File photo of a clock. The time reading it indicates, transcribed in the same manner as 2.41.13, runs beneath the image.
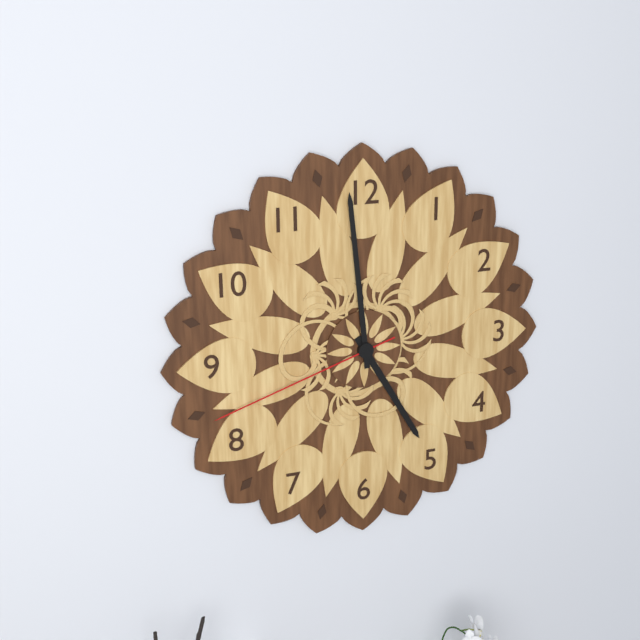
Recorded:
4.59.42
